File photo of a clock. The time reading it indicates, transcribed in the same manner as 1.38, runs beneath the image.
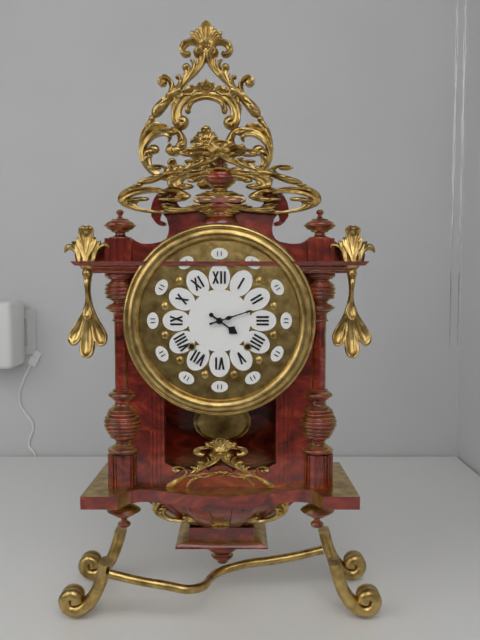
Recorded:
4.12
